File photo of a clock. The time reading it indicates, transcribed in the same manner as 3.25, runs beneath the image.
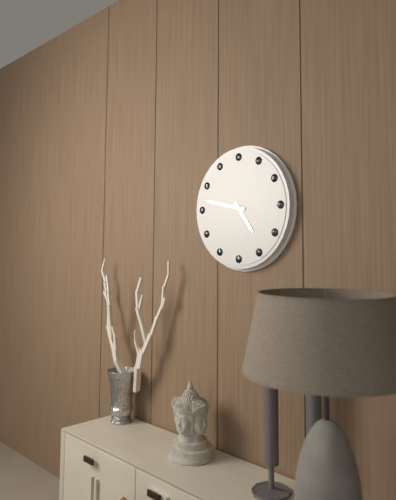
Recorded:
4.47
